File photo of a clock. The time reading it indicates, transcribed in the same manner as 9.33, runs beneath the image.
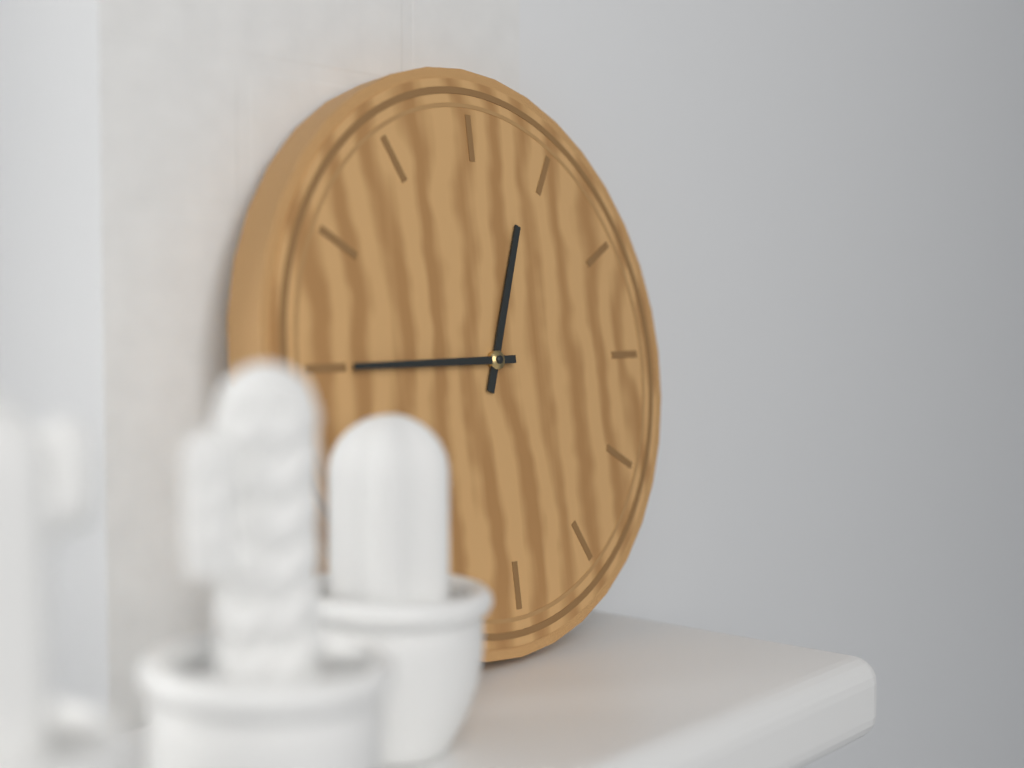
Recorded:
12.45
